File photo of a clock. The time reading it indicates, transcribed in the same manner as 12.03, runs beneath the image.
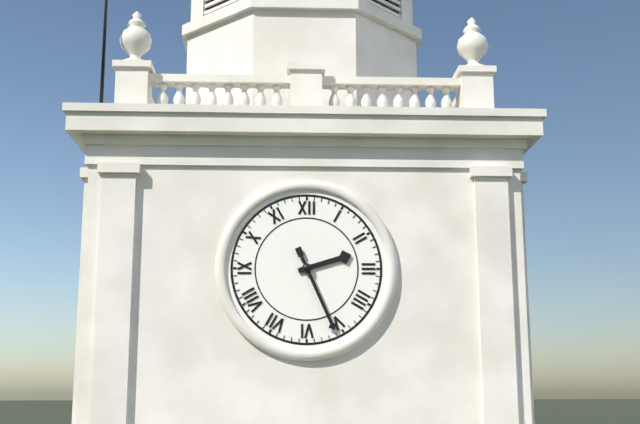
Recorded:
2.26
